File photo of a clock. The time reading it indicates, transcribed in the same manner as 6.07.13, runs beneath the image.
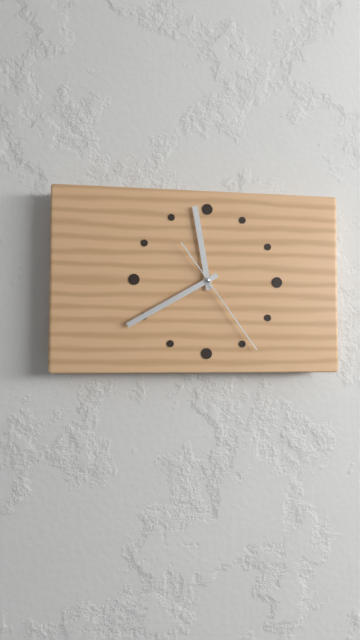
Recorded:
11.40.24
